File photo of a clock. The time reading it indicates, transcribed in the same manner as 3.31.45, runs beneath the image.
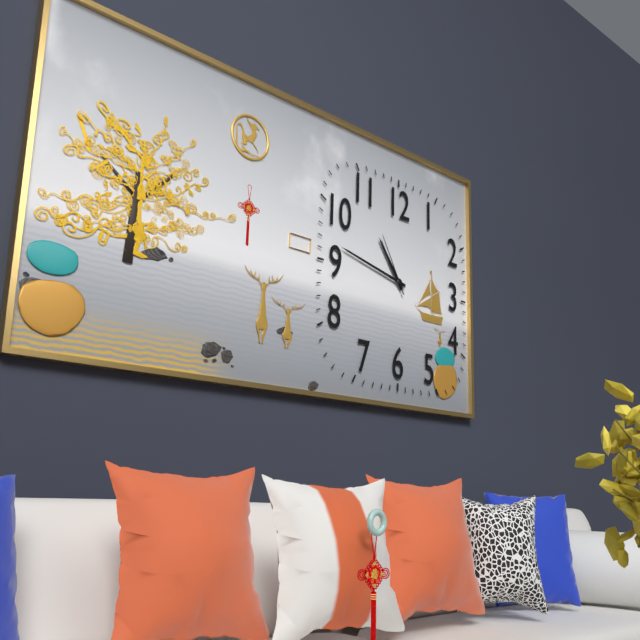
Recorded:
10.47.55
